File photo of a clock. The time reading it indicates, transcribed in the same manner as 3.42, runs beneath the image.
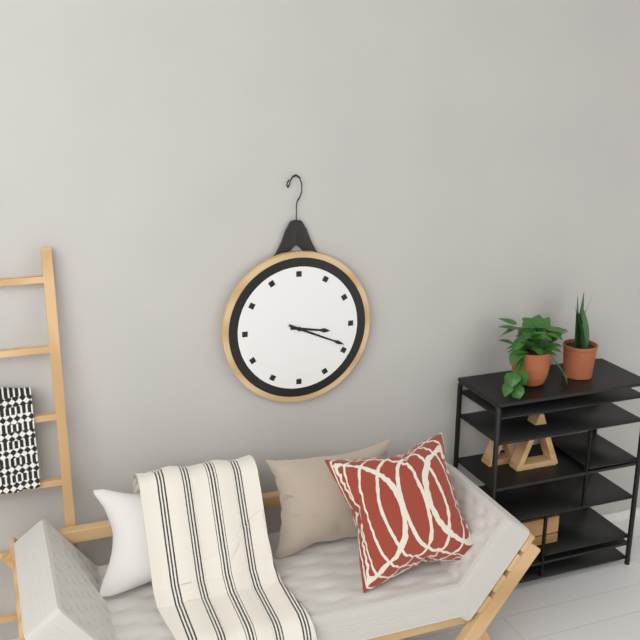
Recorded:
3.19
